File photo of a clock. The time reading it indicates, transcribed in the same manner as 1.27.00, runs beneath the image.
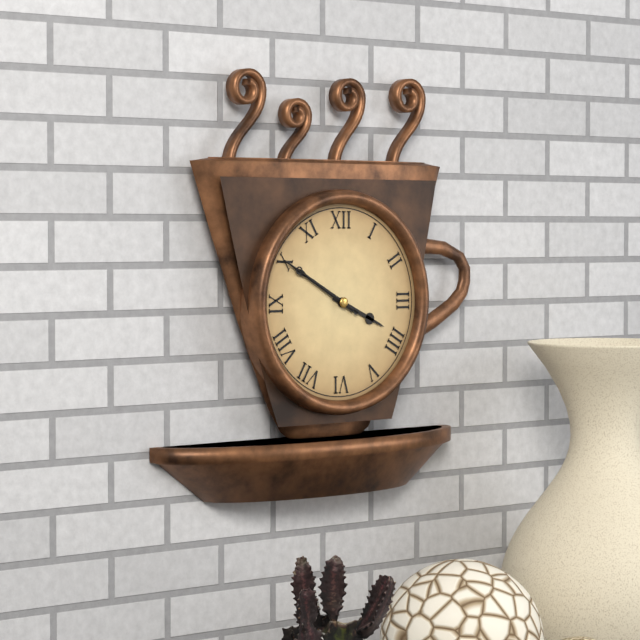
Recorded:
3.50.50
